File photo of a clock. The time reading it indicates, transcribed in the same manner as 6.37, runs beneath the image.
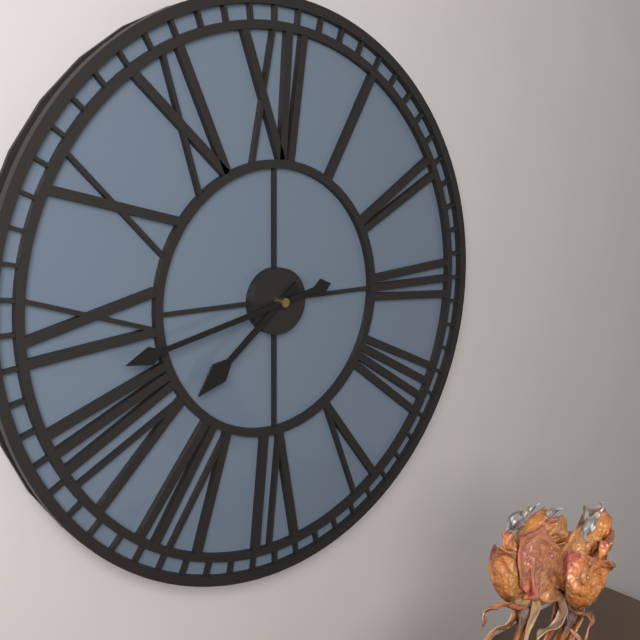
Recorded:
7.43
